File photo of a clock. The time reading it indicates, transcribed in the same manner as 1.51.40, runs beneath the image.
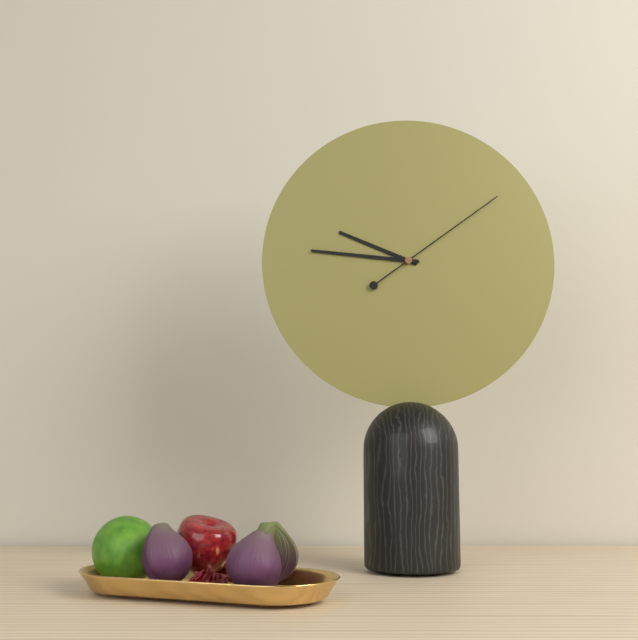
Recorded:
9.46.09
